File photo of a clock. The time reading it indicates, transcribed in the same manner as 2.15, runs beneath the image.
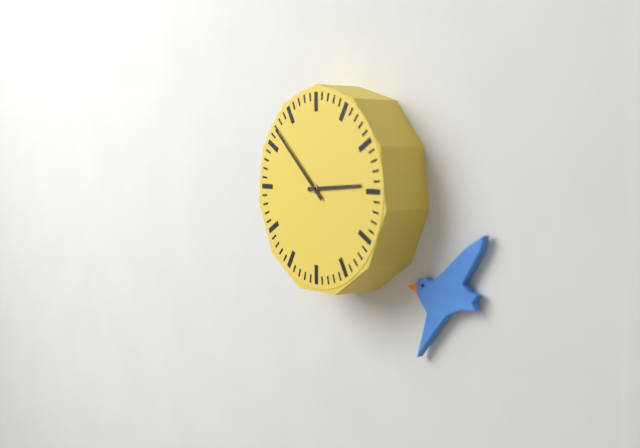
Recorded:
2.52
